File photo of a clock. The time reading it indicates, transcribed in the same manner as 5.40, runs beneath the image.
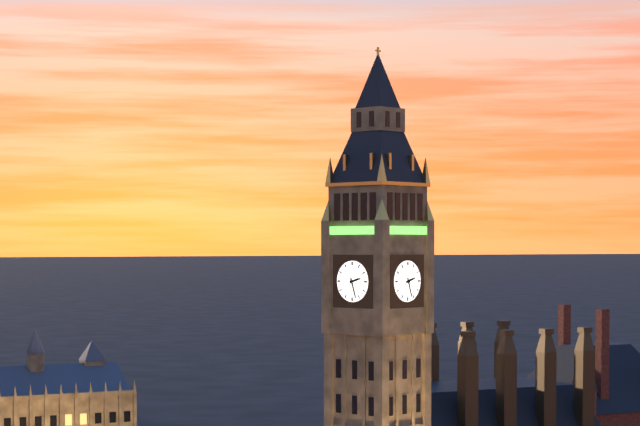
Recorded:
2.27
